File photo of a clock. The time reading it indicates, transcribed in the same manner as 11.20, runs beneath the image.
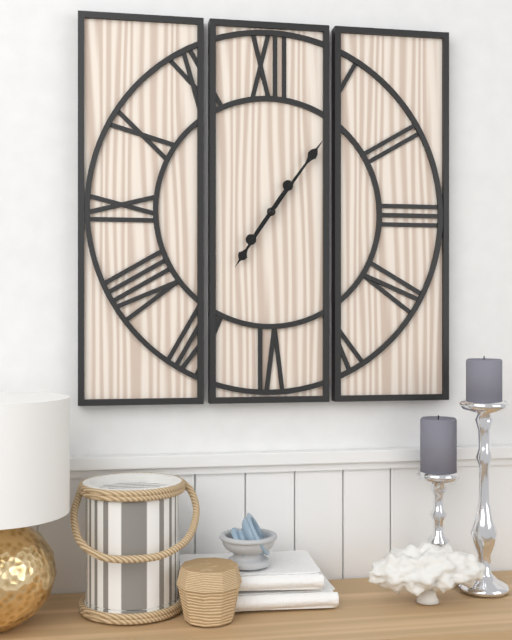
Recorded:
7.06
